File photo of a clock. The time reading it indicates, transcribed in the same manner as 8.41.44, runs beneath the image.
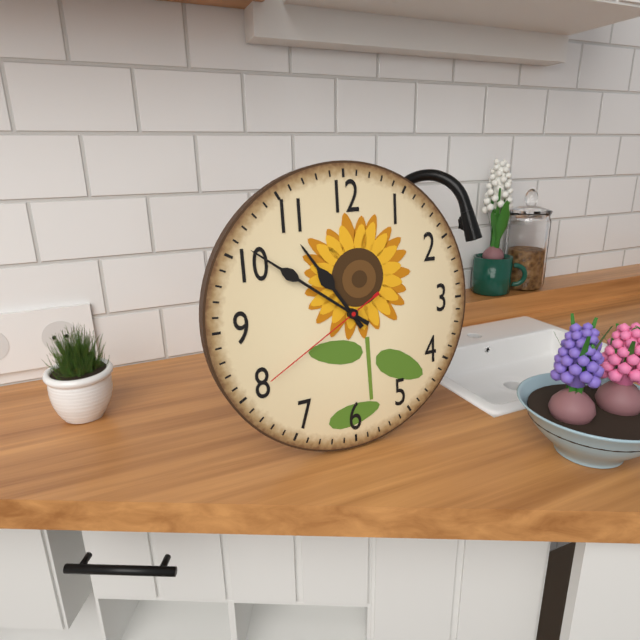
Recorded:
10.51.40
